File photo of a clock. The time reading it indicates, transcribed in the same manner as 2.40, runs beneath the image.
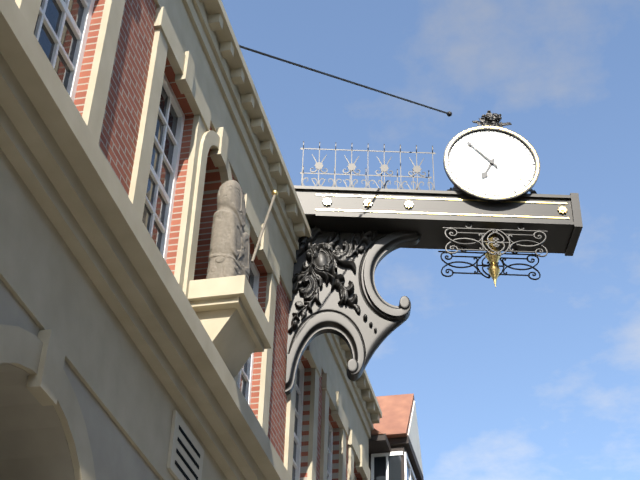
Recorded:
6.53
